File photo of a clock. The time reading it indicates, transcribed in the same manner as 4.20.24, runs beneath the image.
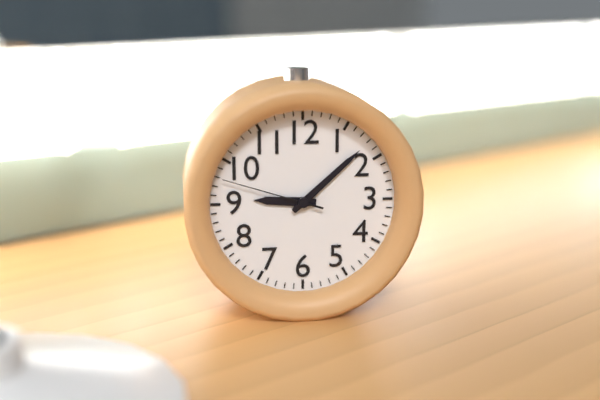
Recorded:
9.08.48
